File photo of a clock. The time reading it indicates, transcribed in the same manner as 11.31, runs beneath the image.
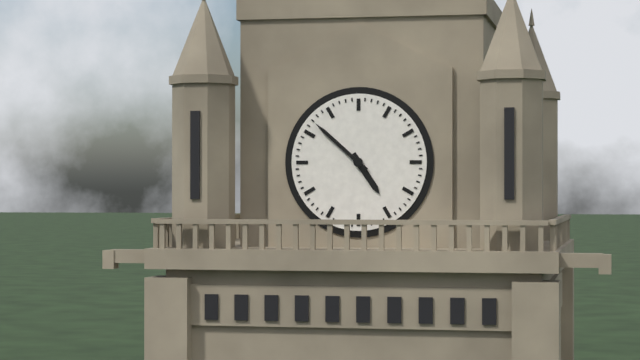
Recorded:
4.52
